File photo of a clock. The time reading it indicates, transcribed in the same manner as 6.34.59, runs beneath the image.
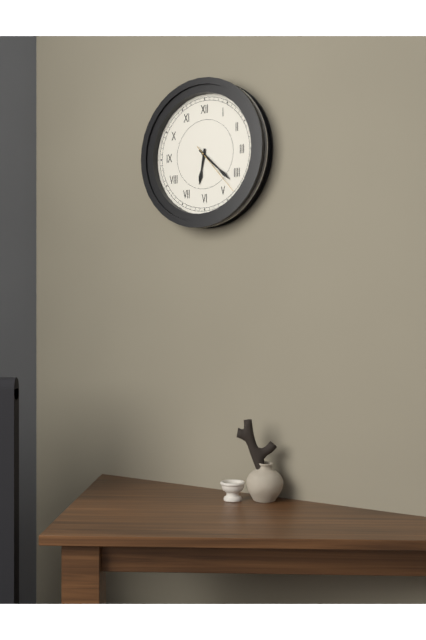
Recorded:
6.22.23
